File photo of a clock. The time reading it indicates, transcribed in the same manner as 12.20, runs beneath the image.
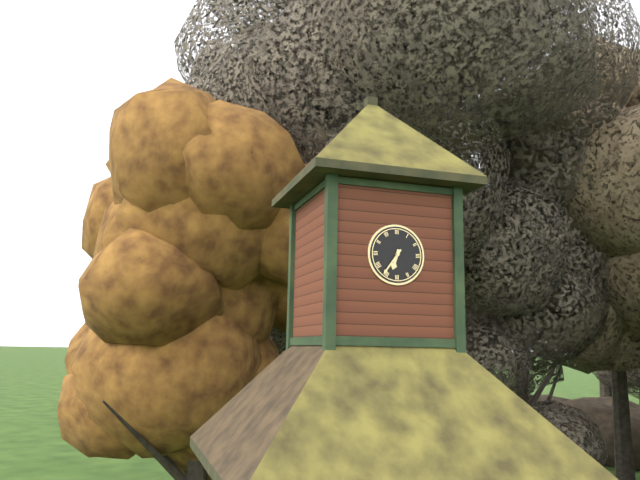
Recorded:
6.36
